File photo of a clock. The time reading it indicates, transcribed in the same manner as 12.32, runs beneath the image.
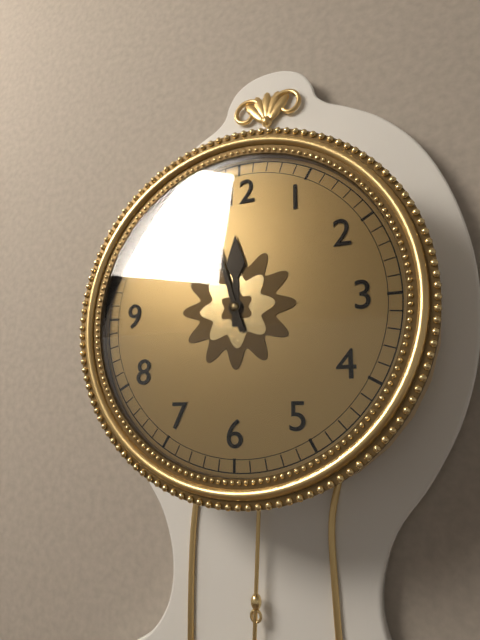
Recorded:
11.57
